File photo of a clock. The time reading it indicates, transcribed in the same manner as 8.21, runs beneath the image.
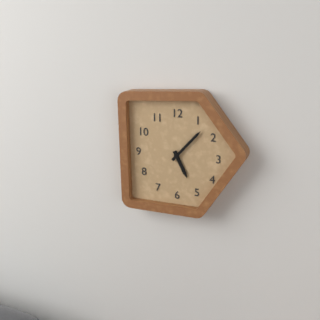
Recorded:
5.07
